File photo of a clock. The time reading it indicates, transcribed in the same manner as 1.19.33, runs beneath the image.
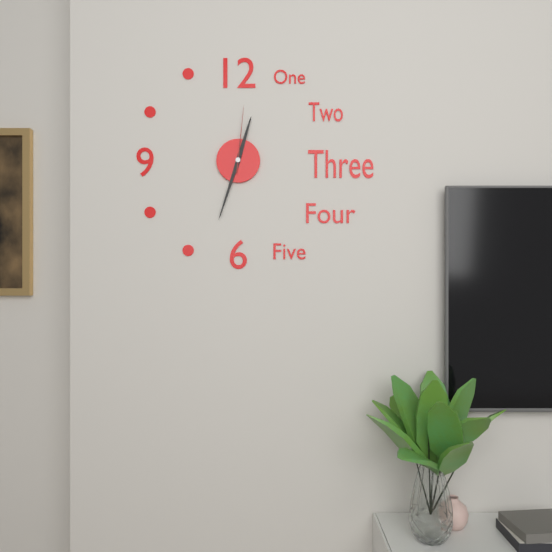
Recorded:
12.33.01
